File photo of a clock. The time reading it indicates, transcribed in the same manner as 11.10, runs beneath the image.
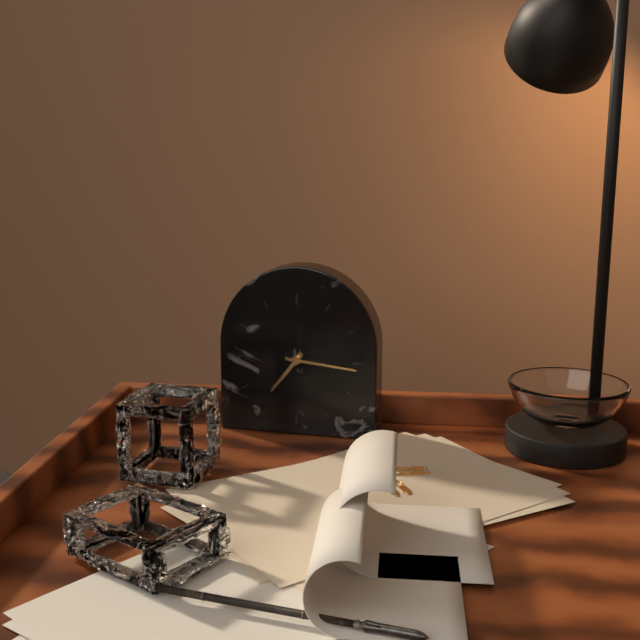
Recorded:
7.16
